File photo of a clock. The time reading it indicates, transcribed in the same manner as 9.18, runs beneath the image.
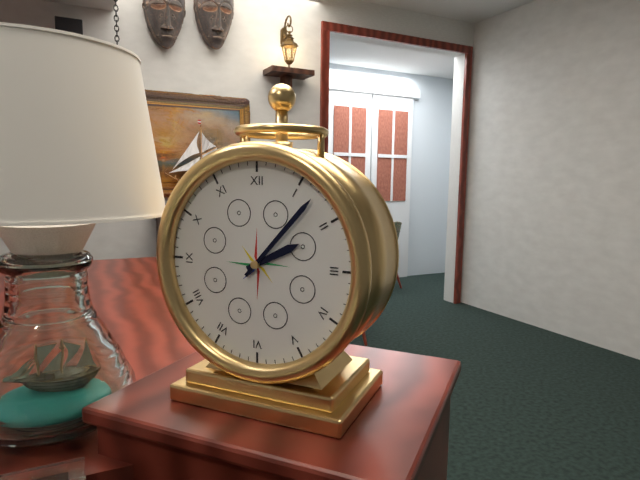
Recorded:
2.07
